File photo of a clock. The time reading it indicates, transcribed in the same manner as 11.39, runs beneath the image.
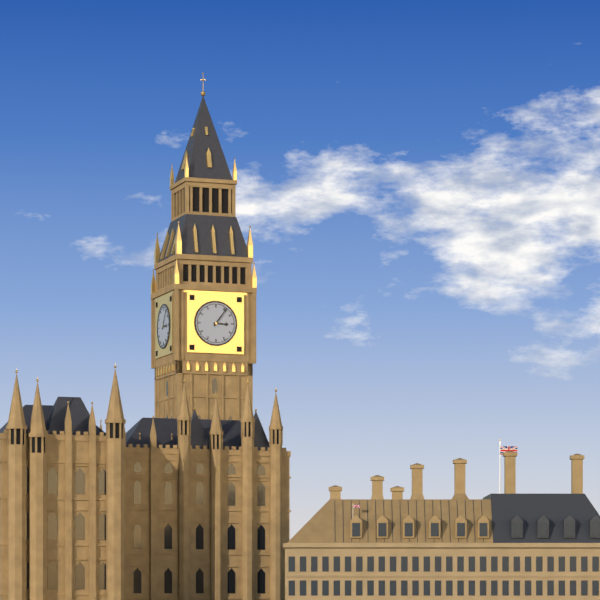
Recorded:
3.06
